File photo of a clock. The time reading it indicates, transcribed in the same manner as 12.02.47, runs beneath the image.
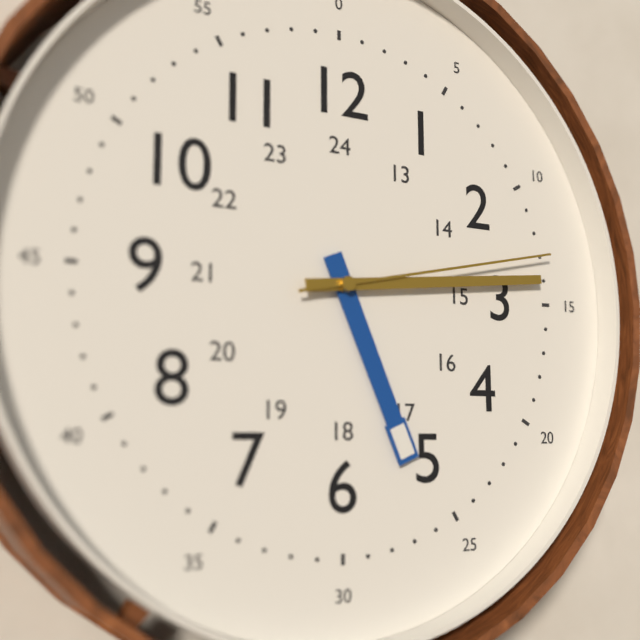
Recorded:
5.14.13
